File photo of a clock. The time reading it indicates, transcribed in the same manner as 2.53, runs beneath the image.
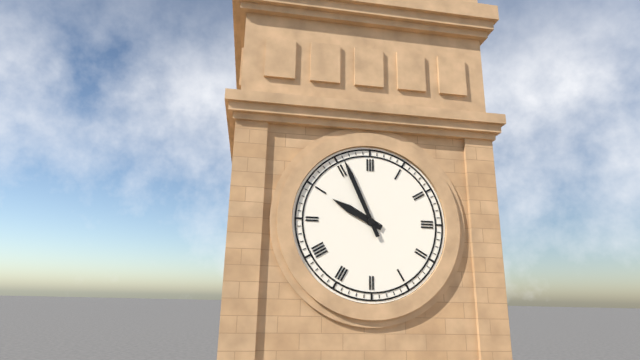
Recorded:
9.56
